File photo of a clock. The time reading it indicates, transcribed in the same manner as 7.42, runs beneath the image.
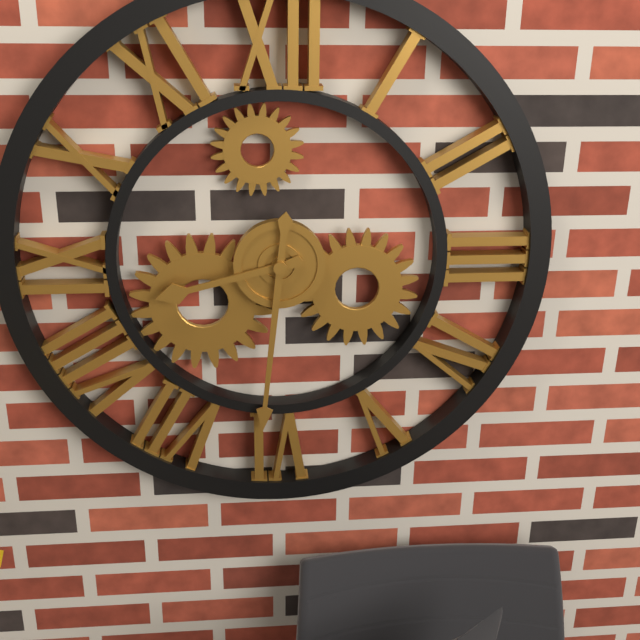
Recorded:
8.31
